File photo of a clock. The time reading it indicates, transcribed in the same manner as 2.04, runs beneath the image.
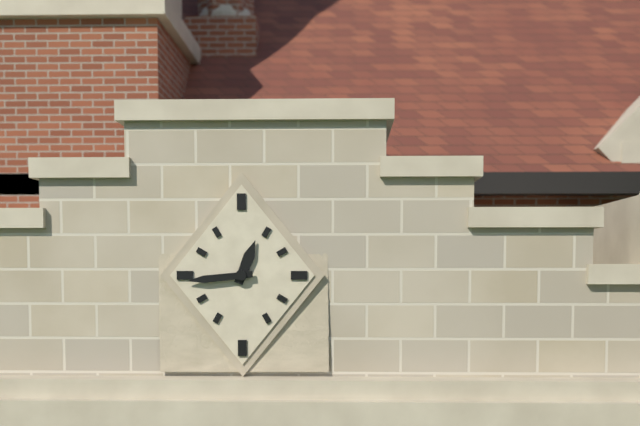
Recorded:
12.44
